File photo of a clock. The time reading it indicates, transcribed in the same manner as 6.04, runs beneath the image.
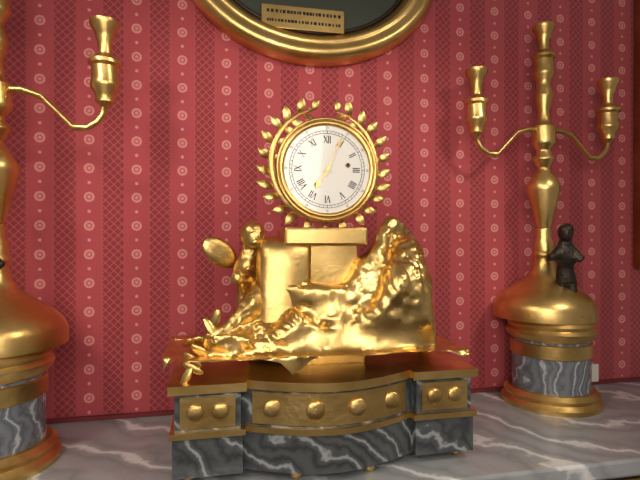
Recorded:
7.04
